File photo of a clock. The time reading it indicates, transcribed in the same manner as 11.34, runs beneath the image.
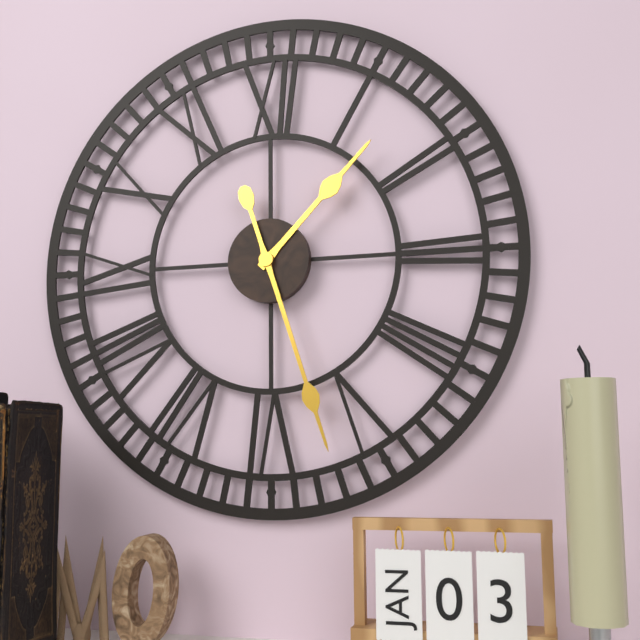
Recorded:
1.27
